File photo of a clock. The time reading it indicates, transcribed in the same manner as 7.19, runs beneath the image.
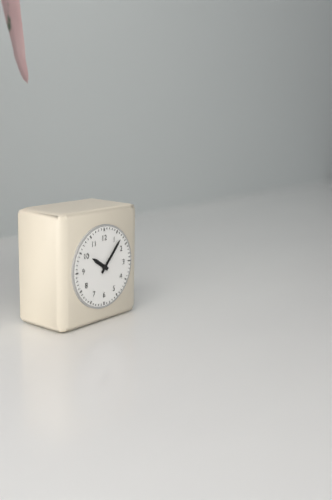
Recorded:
10.07
